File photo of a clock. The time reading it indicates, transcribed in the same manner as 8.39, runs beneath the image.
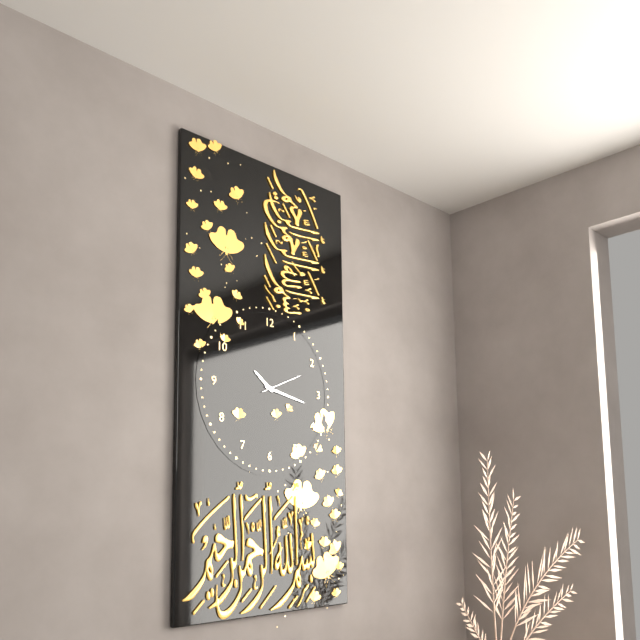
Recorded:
10.17
